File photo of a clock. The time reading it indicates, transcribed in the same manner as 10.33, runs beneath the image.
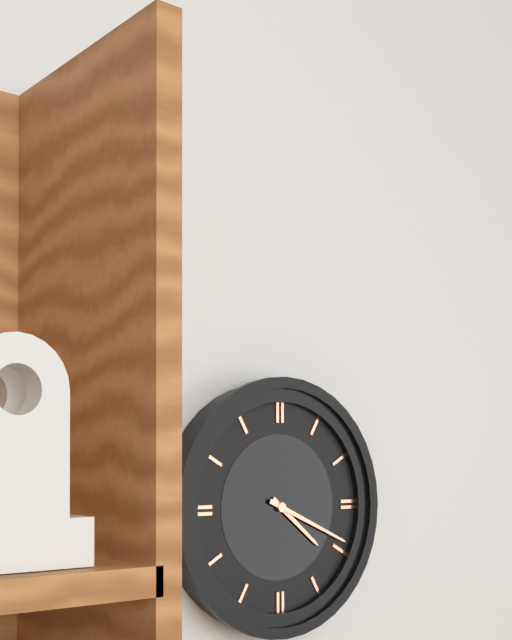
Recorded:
4.19
